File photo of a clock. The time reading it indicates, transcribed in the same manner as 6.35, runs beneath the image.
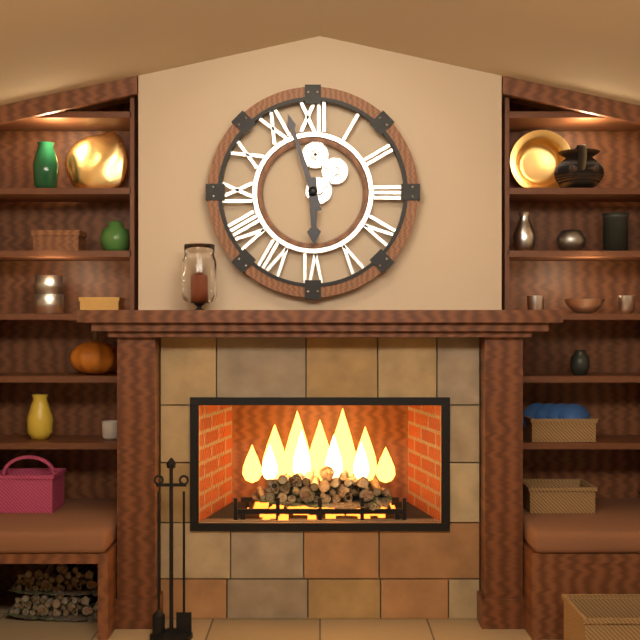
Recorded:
5.57
